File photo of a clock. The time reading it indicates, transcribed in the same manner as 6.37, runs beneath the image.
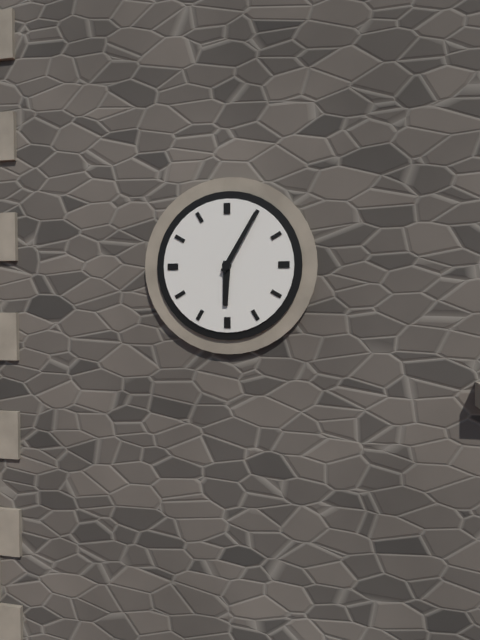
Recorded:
6.05
